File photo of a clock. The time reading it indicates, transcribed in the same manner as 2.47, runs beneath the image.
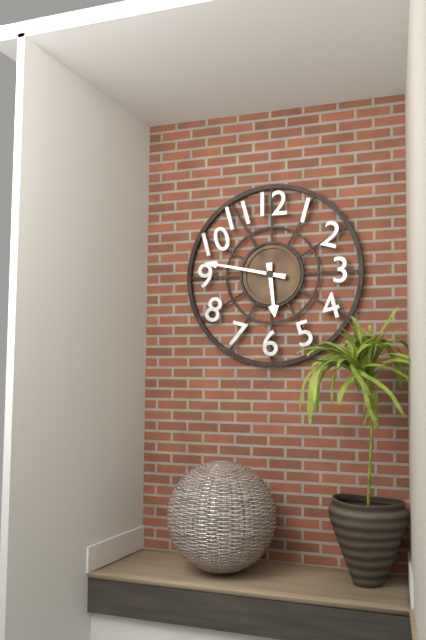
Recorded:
5.47
